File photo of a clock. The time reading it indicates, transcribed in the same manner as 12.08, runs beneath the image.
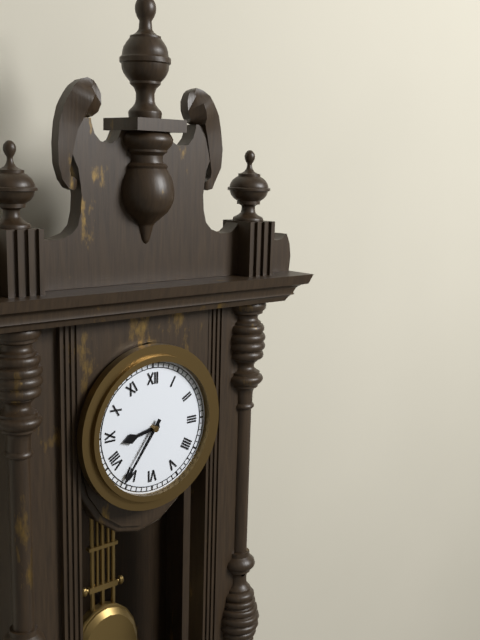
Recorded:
8.36
